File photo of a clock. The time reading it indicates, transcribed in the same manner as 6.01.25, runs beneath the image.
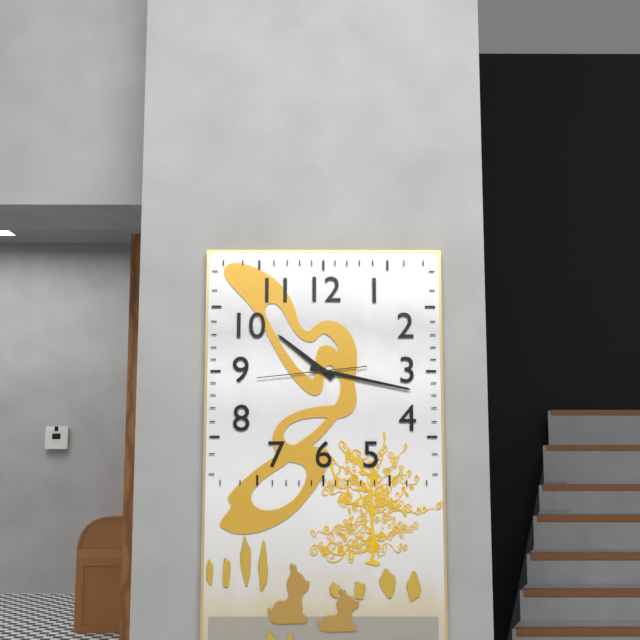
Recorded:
10.17.44
